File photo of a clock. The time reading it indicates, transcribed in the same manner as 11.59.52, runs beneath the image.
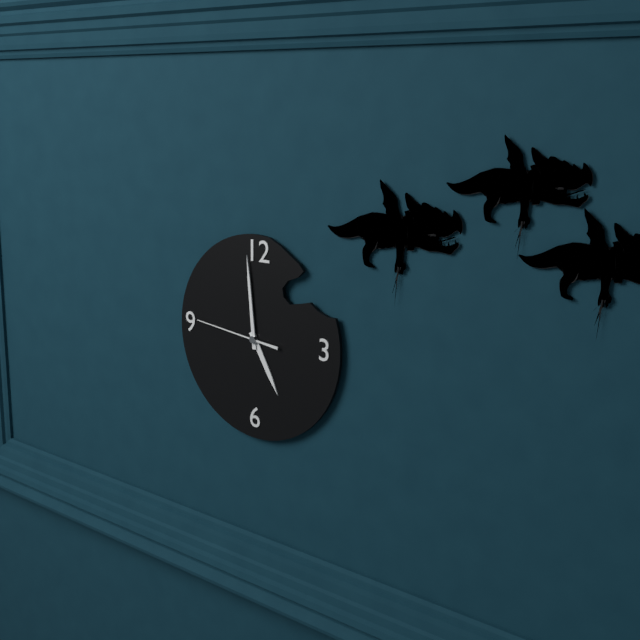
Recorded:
4.59.46
